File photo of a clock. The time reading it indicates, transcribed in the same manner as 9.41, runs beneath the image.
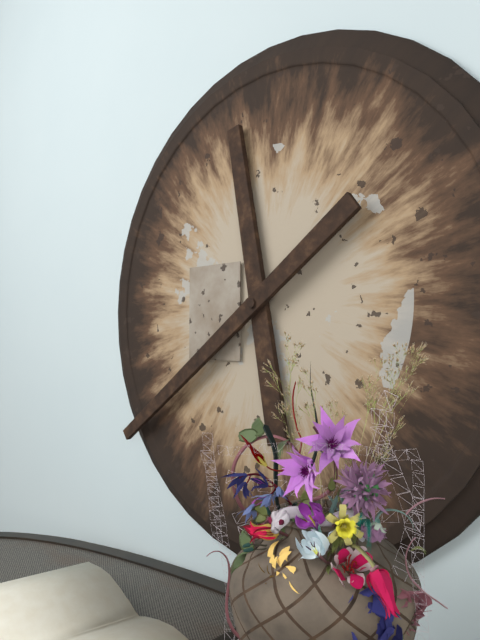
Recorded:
11.39
